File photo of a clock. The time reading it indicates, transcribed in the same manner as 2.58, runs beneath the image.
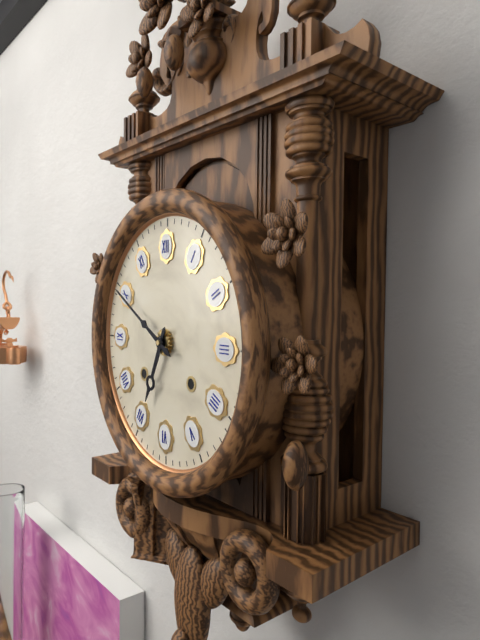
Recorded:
6.50
